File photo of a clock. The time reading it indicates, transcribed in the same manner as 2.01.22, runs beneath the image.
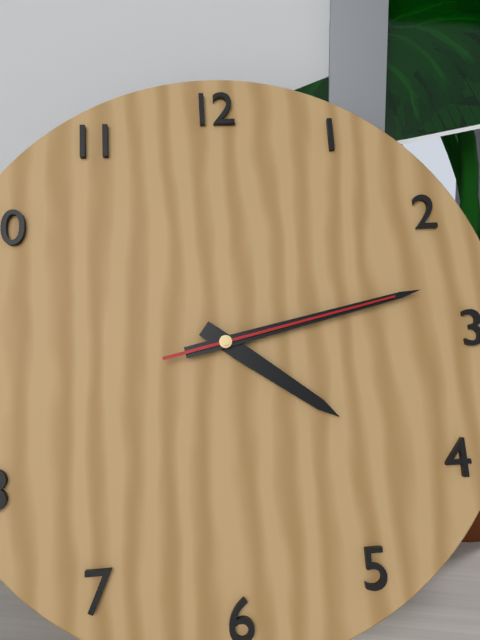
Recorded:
4.13.13
